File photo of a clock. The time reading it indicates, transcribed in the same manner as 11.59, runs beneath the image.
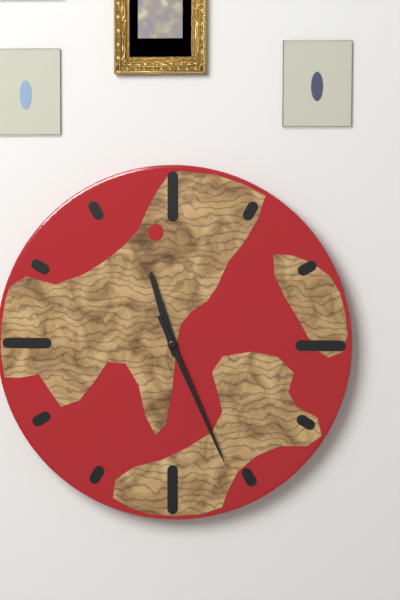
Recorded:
11.26
